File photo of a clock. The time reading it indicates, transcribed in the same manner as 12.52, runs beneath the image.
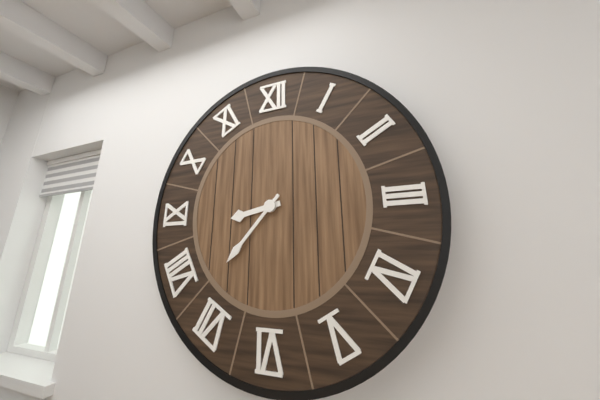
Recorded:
8.37
